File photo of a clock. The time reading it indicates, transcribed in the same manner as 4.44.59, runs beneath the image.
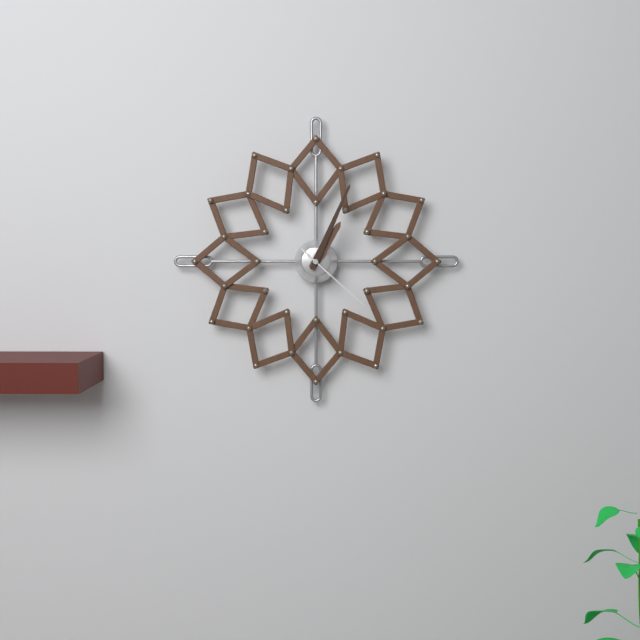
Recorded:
1.04.22
